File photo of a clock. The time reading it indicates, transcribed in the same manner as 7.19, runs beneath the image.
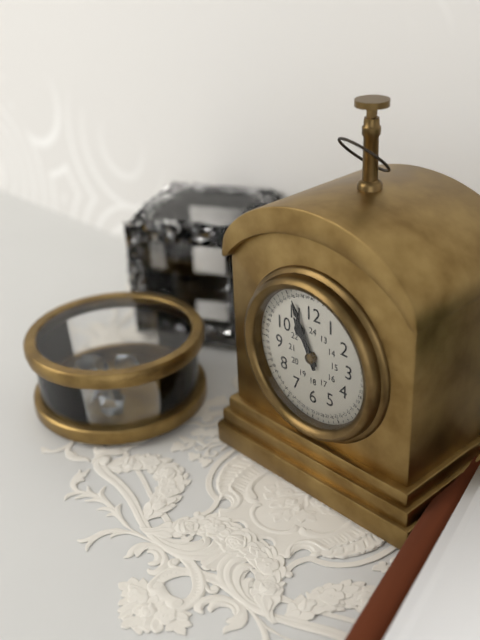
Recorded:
10.56
